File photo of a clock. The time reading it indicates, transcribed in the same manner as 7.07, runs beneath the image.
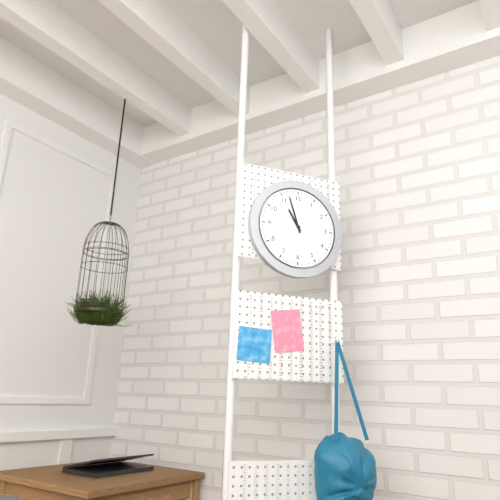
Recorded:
10.57
